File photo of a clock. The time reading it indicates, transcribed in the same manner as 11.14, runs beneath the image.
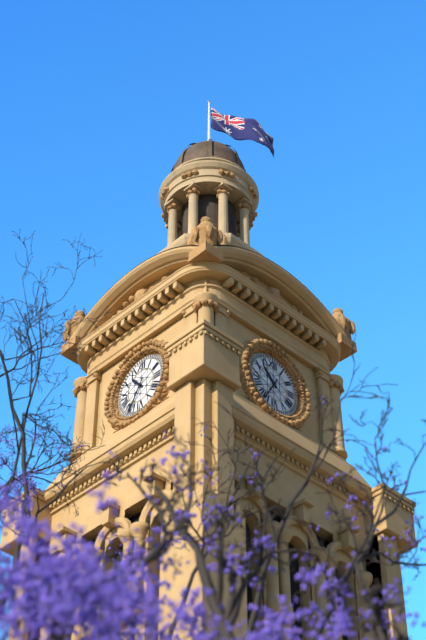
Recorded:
10.35
